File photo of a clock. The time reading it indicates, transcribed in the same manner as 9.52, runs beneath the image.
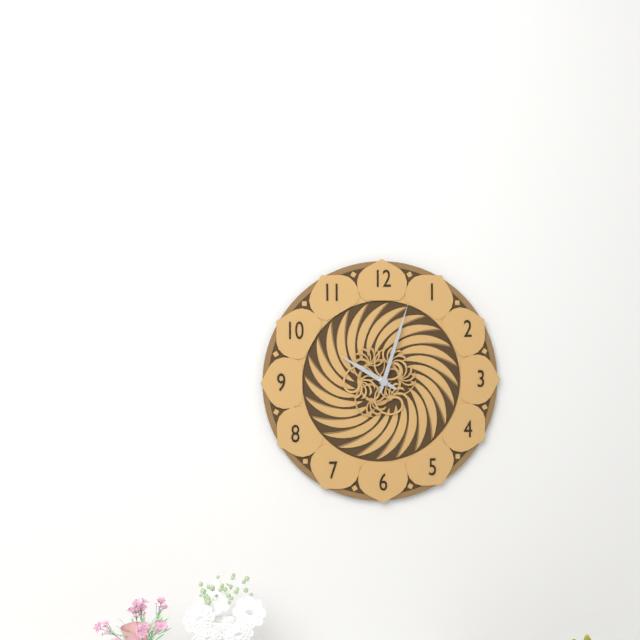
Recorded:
10.03
